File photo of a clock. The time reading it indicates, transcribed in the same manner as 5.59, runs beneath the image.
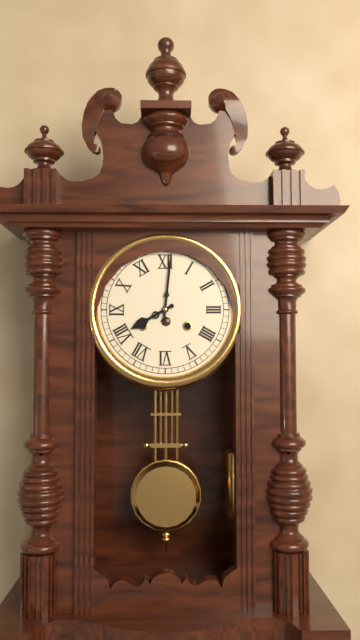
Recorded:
8.01
